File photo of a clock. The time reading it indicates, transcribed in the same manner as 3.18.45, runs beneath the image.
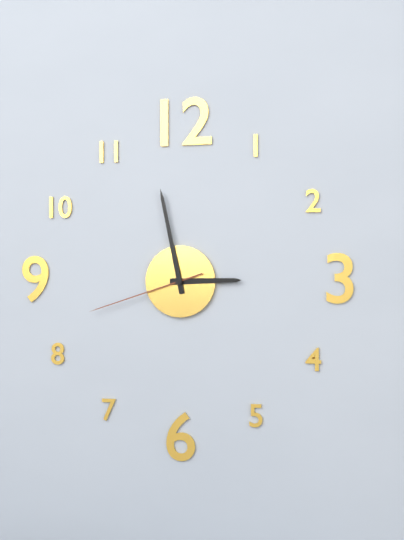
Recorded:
2.58.42
